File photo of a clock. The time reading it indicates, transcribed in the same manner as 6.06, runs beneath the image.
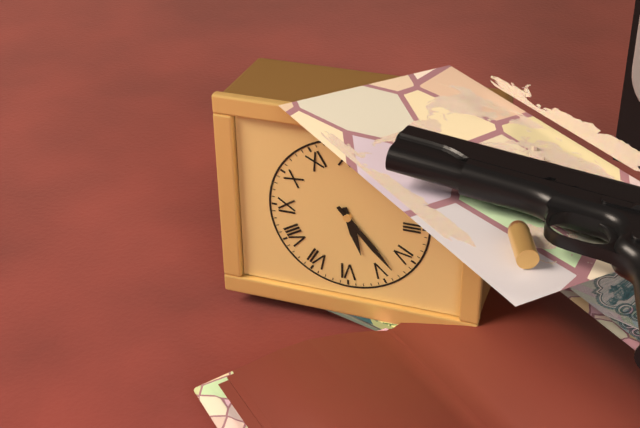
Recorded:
5.23
